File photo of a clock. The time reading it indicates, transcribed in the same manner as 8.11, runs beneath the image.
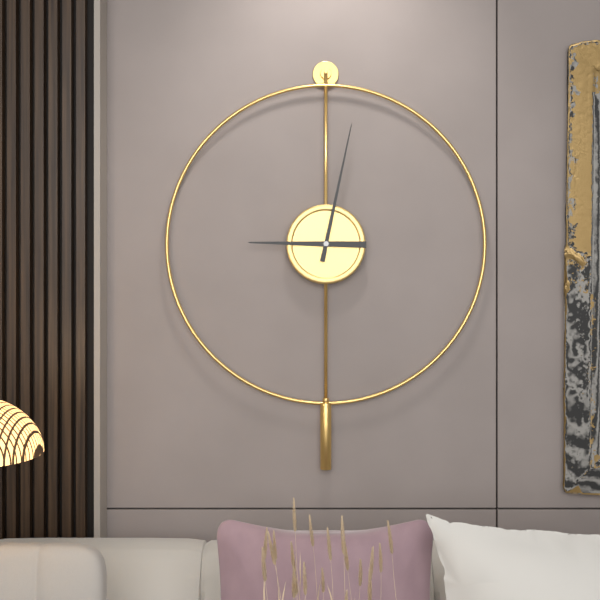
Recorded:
9.02
